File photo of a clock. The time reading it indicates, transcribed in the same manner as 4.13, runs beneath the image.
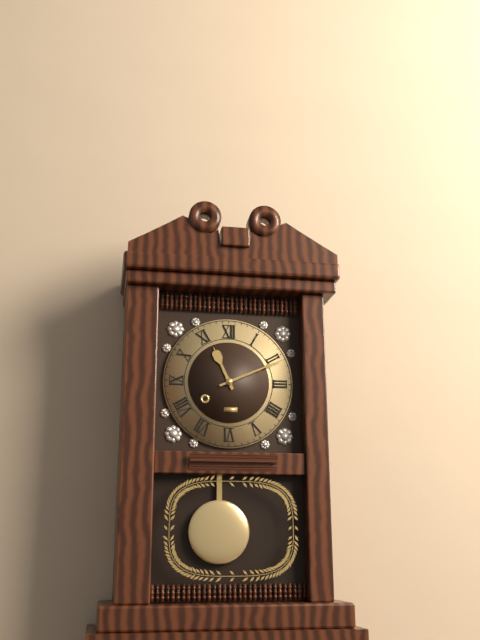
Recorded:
11.11
